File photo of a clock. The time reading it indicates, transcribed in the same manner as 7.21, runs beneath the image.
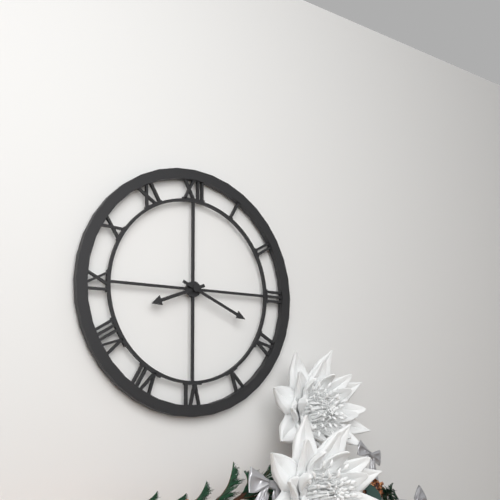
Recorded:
8.19
